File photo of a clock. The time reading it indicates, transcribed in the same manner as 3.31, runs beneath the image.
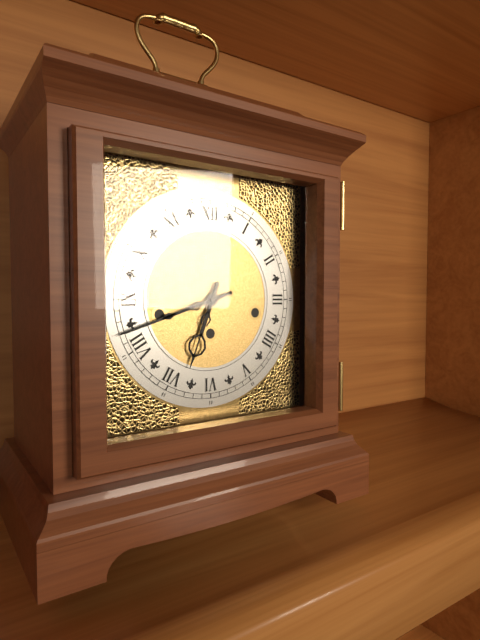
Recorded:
6.42
